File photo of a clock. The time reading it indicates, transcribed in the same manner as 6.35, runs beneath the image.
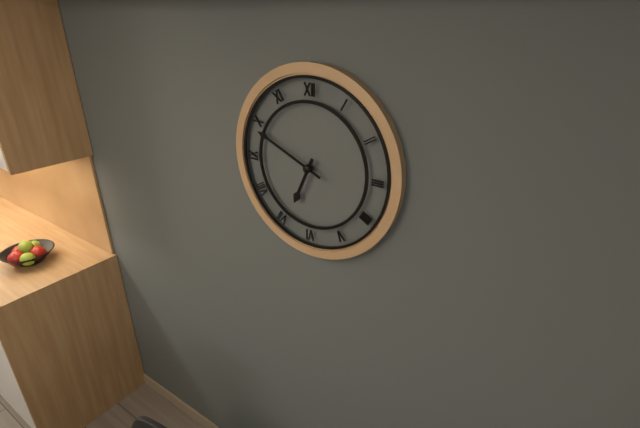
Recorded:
6.49
